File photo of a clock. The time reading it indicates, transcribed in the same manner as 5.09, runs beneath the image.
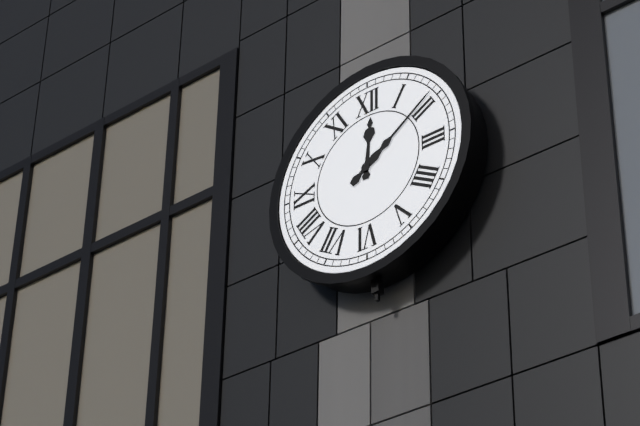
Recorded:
12.09
